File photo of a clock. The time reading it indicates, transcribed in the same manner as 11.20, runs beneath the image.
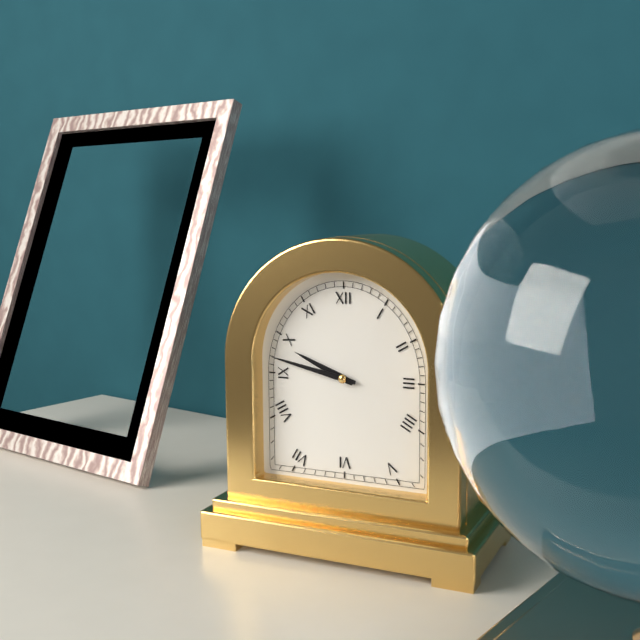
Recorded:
9.47
